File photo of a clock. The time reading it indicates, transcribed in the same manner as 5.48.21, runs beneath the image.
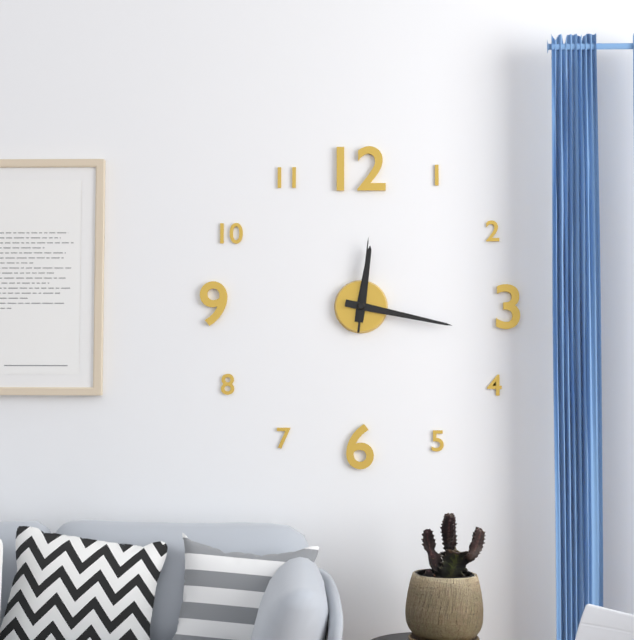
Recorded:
12.17.01
